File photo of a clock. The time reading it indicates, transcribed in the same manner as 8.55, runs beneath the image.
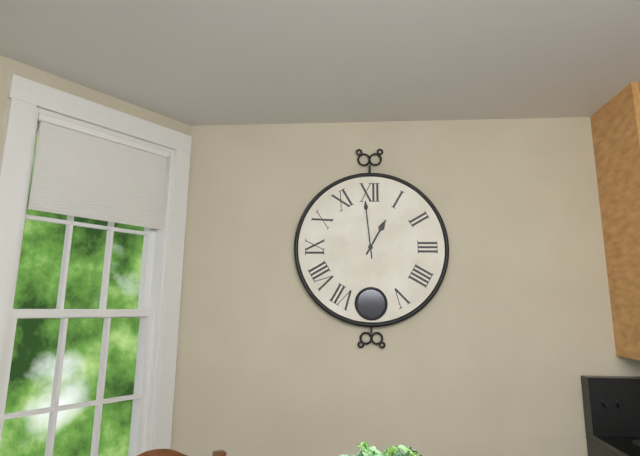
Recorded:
12.59
